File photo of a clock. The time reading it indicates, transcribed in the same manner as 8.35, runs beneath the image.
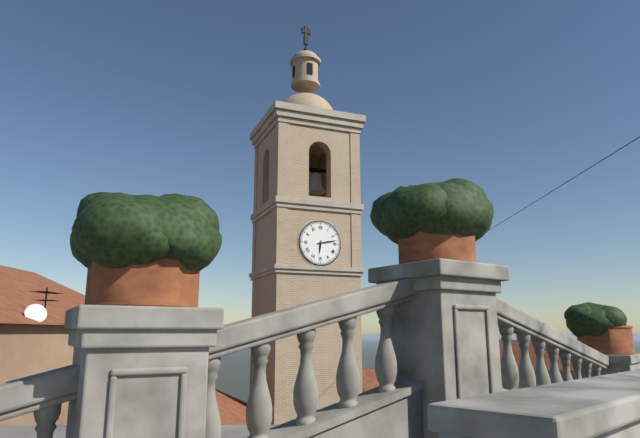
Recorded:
6.13
